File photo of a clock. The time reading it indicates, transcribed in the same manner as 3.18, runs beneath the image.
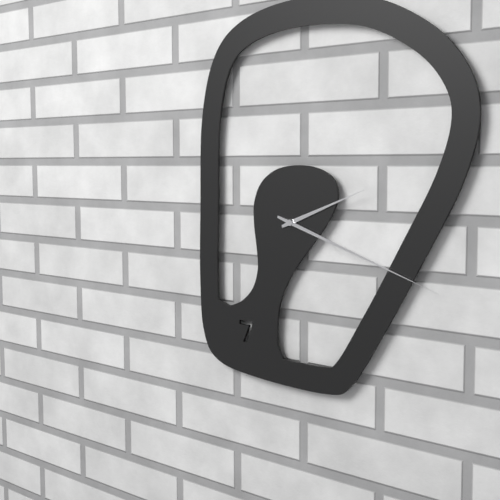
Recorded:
2.18
